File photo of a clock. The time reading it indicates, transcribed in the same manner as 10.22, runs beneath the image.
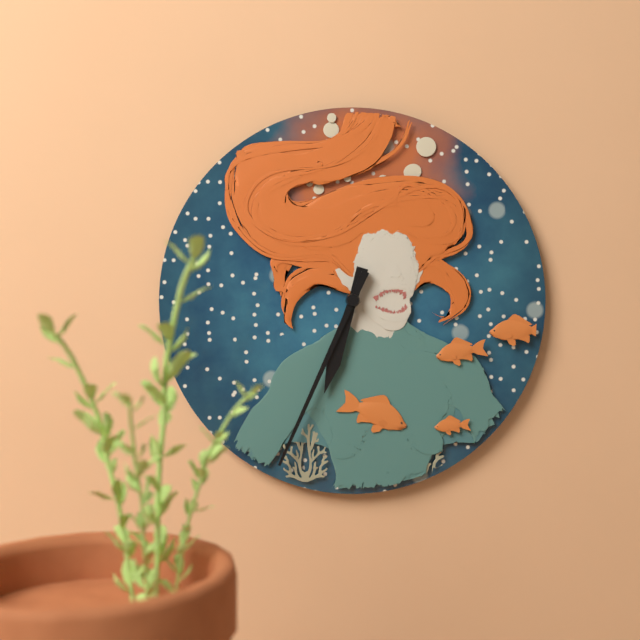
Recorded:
6.34
